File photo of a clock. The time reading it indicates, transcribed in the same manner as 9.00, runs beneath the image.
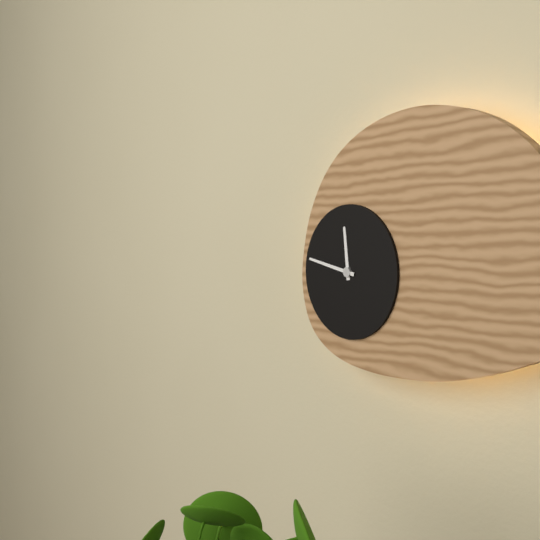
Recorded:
11.47
